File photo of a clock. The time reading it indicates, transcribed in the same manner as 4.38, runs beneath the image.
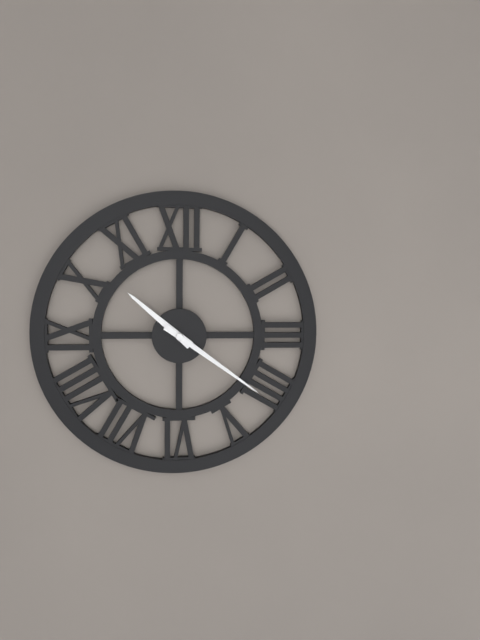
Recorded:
10.21
